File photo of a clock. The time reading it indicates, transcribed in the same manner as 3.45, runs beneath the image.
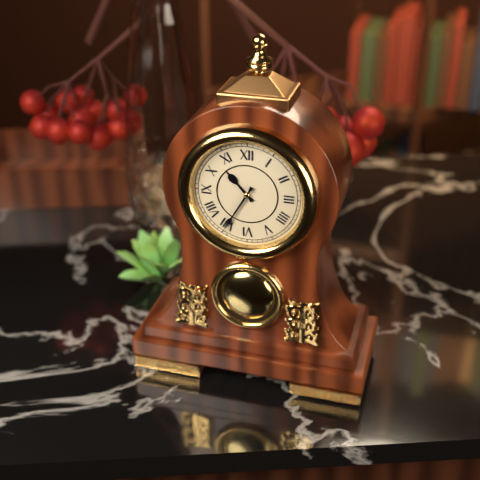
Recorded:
10.35
